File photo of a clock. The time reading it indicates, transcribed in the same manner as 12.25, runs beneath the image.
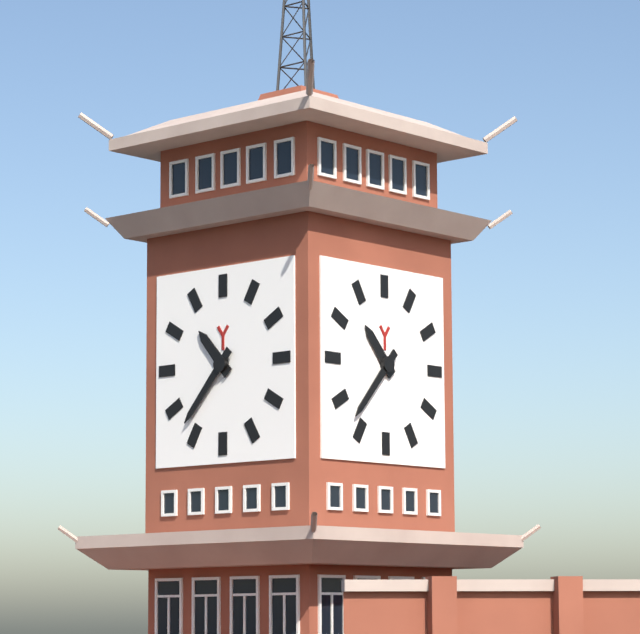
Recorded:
10.37
